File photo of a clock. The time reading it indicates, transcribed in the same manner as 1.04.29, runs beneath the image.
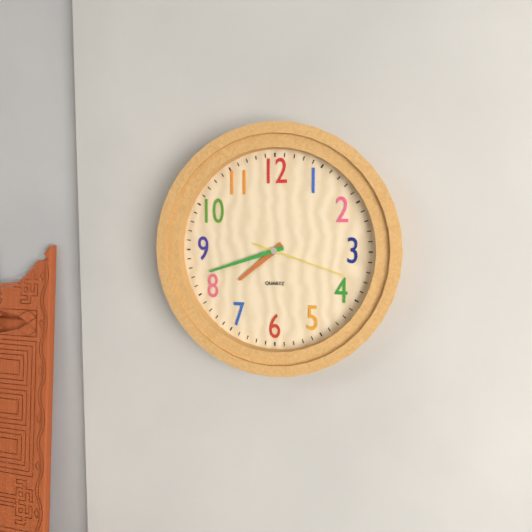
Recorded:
7.42.18
